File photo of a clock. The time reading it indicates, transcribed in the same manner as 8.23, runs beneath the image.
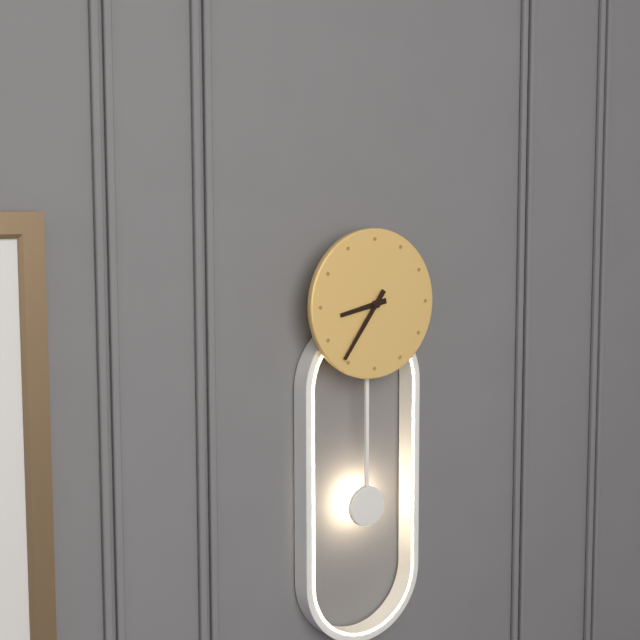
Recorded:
8.36
